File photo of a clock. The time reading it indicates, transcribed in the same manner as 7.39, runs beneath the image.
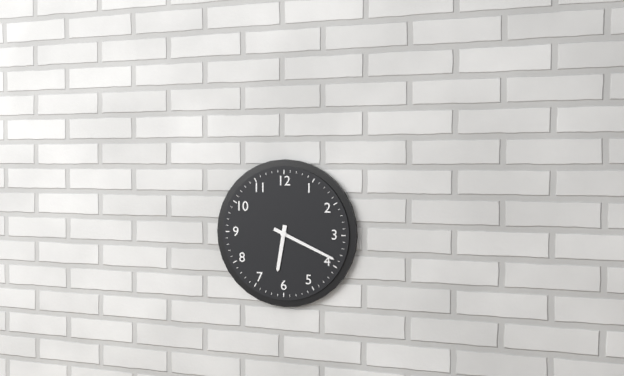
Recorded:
6.19
